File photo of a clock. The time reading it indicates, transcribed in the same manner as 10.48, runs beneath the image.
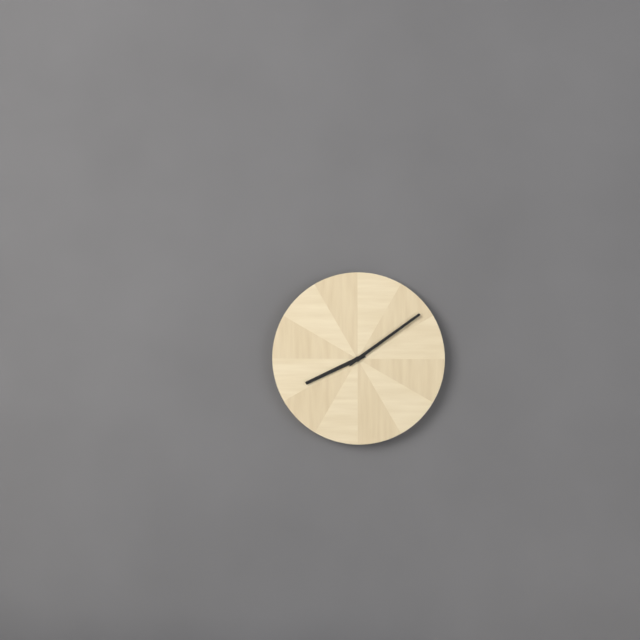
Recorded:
8.09
